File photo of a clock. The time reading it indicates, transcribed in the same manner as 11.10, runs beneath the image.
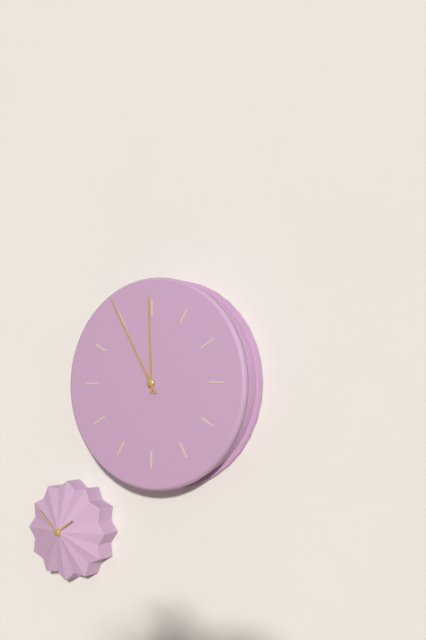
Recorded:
11.55
